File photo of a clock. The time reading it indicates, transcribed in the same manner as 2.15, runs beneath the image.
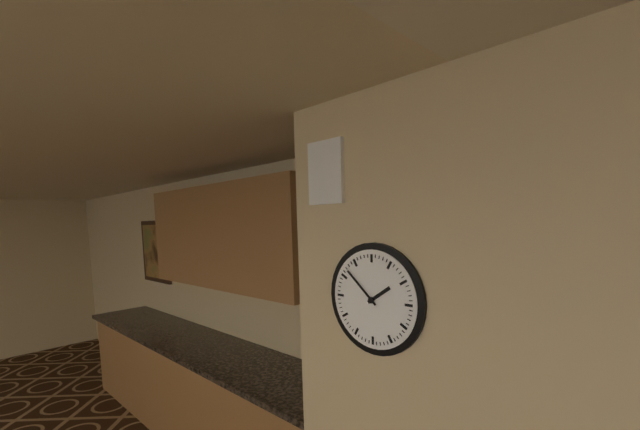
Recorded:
1.52
